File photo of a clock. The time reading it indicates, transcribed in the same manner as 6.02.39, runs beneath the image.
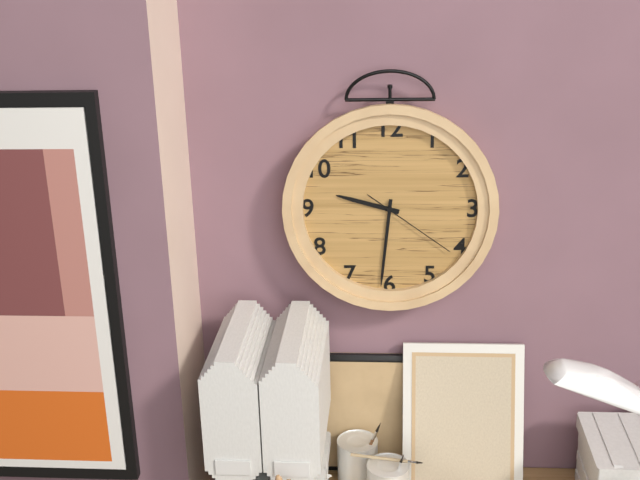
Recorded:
9.31.21
